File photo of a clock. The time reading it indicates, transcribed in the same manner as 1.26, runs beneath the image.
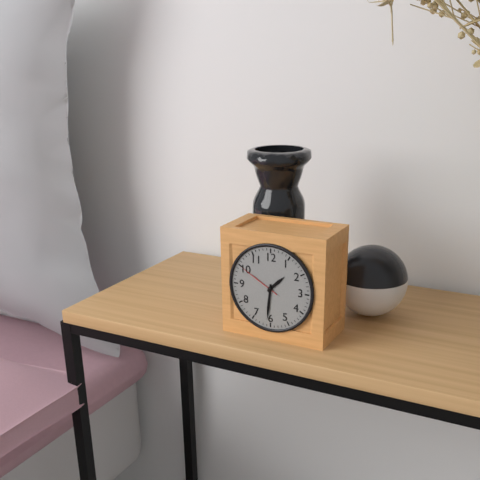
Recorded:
1.31
